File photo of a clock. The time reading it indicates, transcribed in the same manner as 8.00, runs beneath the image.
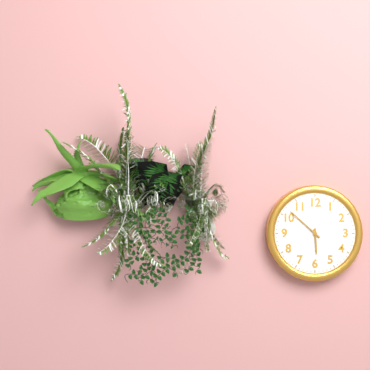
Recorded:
5.52
